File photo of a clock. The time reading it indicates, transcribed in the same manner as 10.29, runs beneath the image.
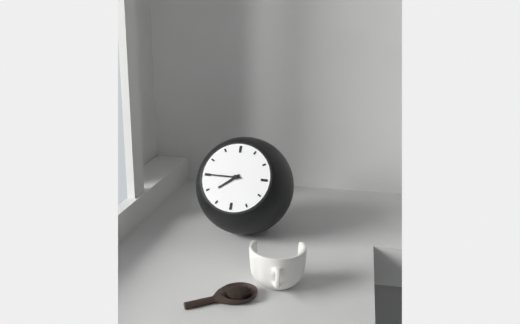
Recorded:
7.45
